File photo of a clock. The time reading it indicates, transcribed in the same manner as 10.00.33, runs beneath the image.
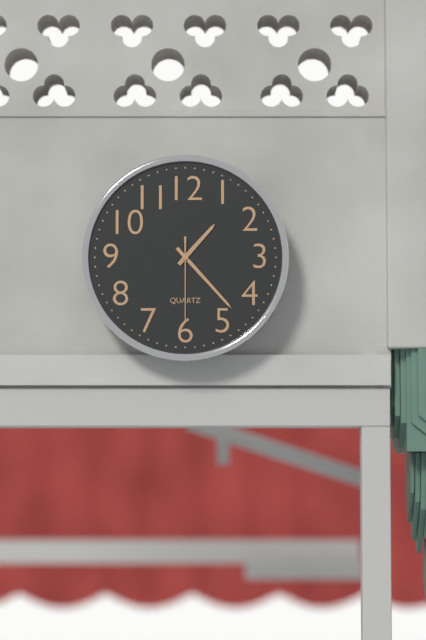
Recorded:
1.23.30
